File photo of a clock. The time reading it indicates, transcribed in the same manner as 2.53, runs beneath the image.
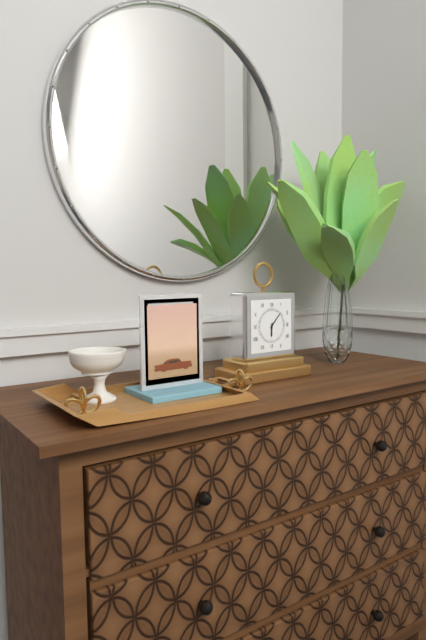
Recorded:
6.07
